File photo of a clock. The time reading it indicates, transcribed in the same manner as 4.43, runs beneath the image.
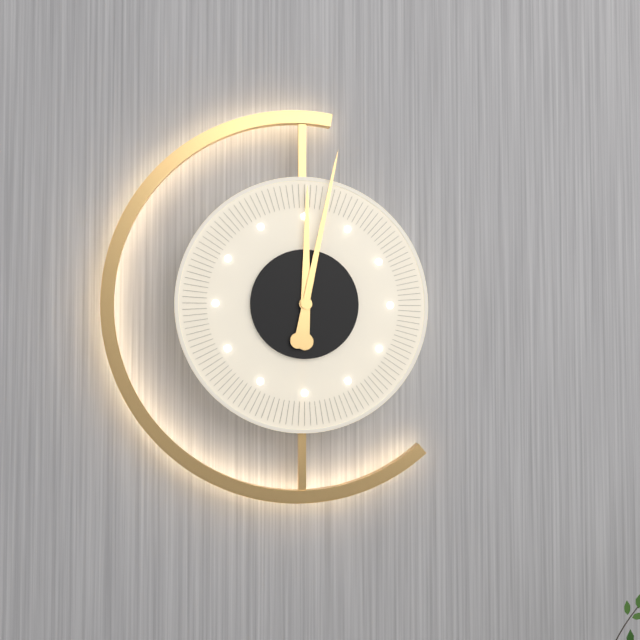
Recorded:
12.02
